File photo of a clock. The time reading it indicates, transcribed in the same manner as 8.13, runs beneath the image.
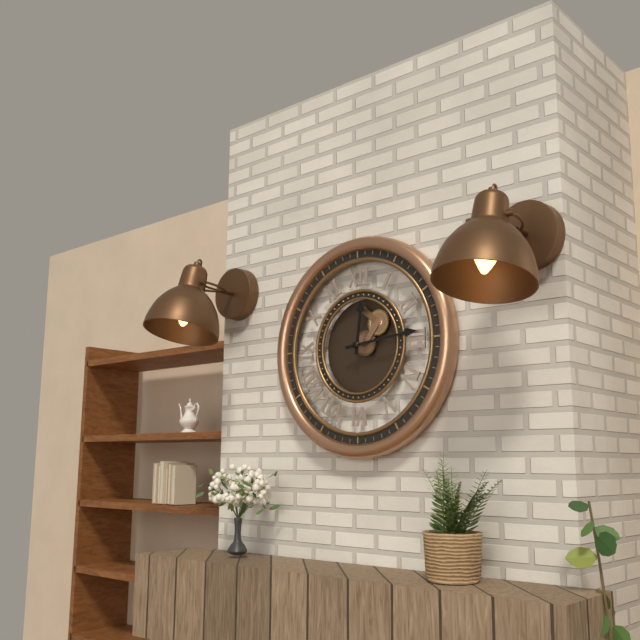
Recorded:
12.14
